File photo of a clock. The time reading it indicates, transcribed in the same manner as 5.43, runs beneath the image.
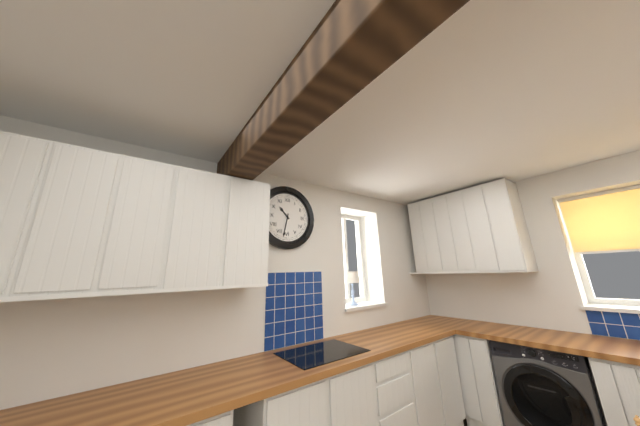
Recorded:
10.32
